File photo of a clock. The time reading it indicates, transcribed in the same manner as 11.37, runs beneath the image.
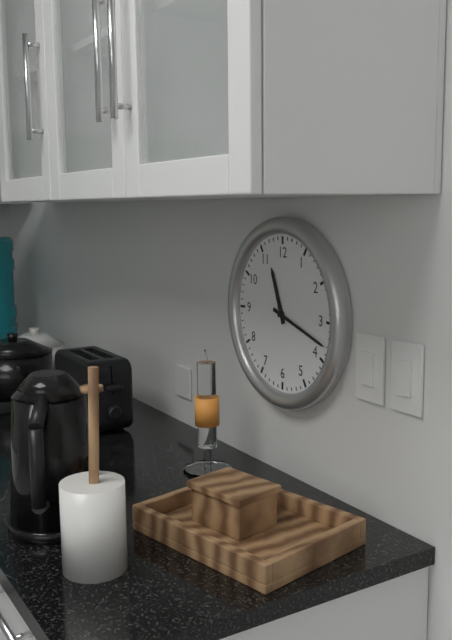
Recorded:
11.18
